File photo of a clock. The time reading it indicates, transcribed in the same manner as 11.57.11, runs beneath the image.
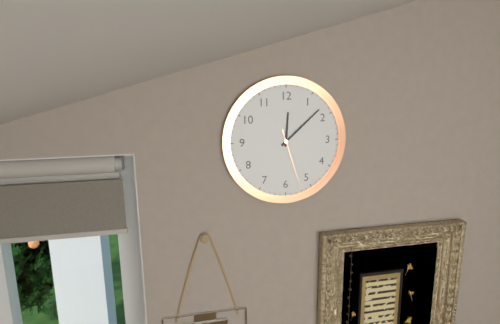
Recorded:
12.08.27
